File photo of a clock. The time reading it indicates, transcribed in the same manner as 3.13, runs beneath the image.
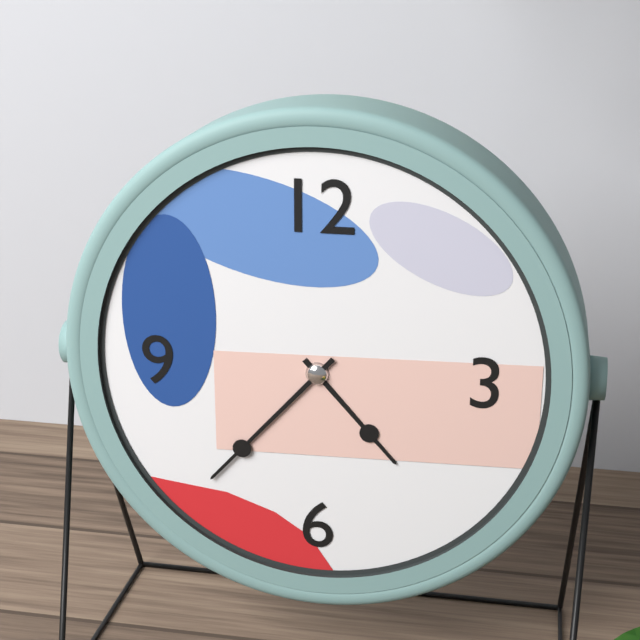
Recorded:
4.37
